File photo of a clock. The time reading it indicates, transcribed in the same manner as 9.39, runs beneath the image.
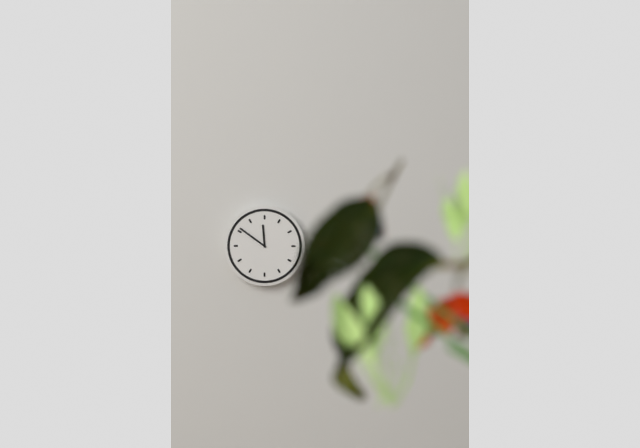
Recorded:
11.51
